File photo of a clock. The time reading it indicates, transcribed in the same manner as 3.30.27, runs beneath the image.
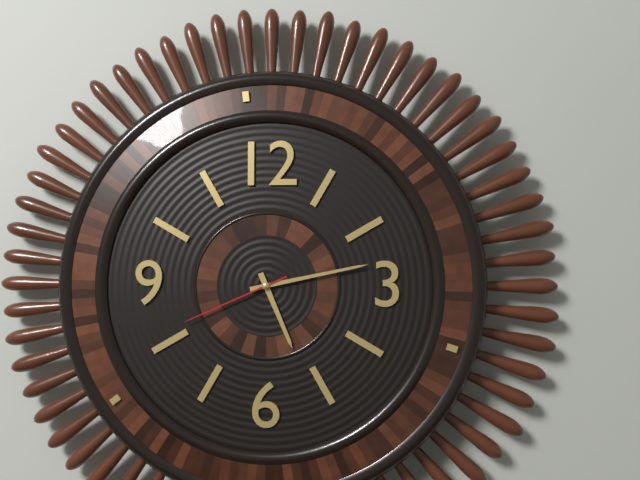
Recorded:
5.13.41
